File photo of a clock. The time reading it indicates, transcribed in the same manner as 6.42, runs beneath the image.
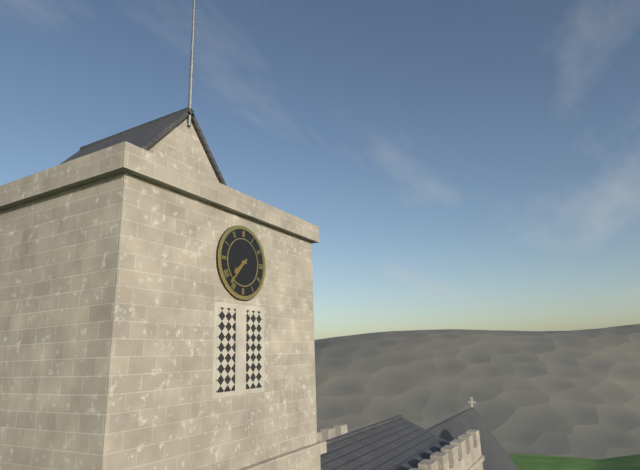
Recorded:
7.37
